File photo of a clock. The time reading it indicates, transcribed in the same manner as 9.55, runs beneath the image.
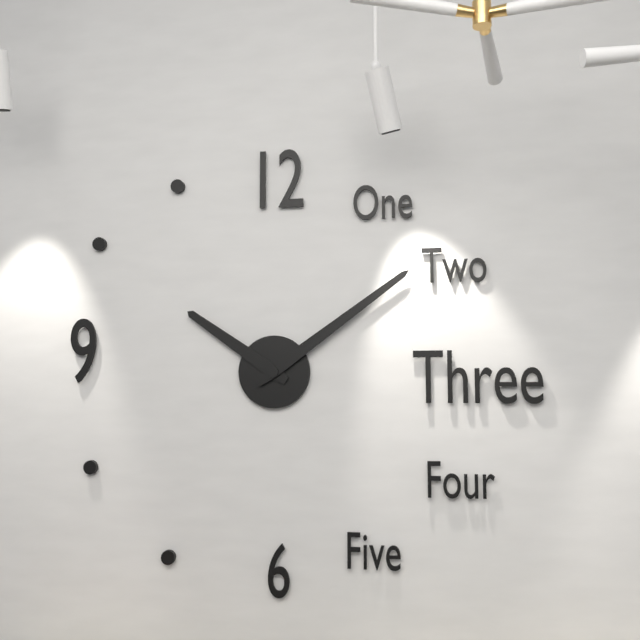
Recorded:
10.09
